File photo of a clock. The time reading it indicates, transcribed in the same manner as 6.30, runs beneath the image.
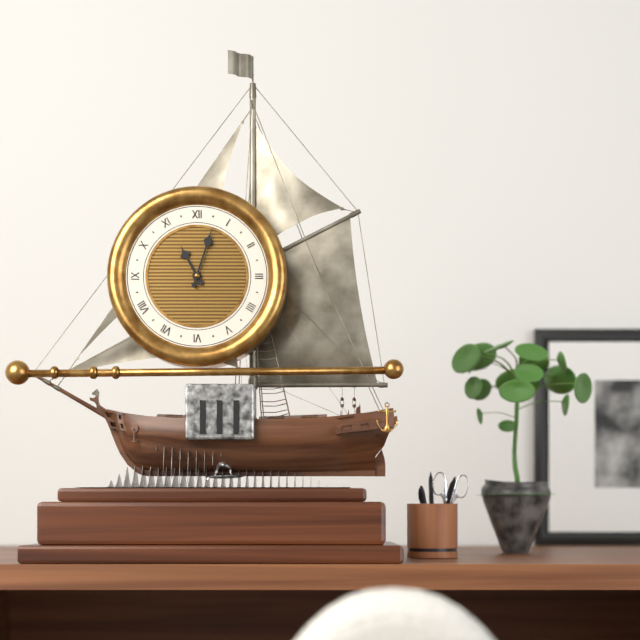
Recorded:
11.03
